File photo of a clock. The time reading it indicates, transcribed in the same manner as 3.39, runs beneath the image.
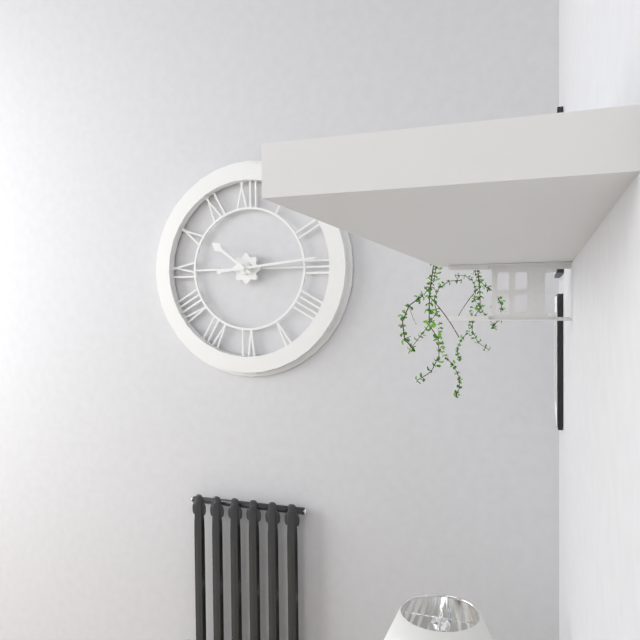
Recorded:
10.14
